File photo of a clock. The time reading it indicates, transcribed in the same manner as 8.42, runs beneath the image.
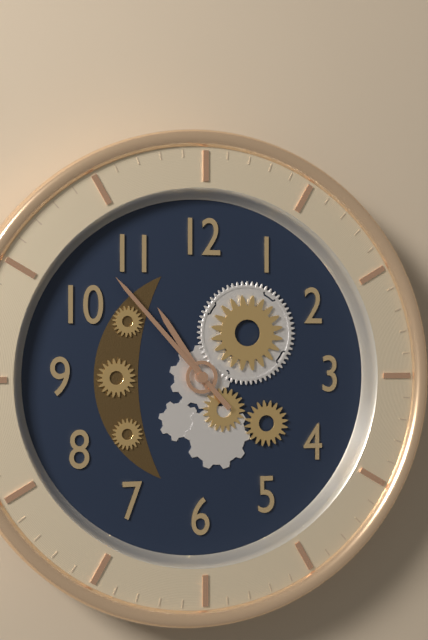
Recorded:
10.53
